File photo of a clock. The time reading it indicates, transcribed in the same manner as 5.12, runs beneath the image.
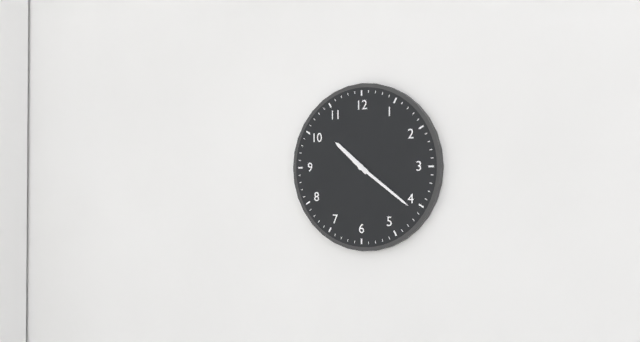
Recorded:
10.21
